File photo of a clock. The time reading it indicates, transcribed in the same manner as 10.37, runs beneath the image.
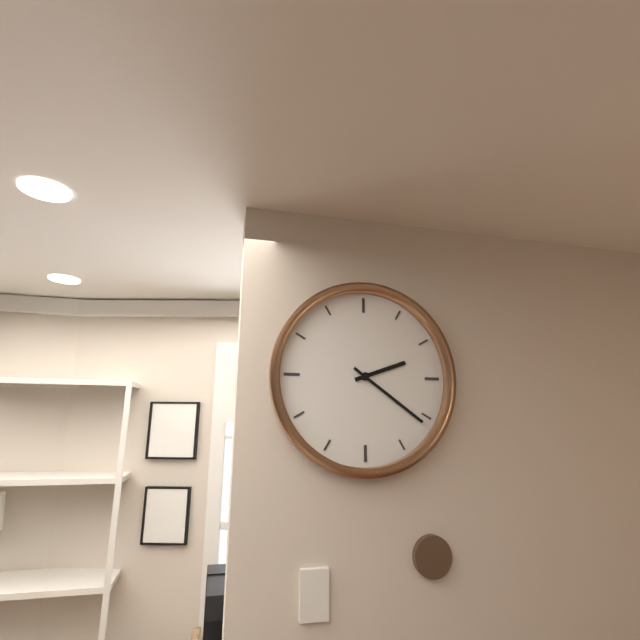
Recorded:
2.21
